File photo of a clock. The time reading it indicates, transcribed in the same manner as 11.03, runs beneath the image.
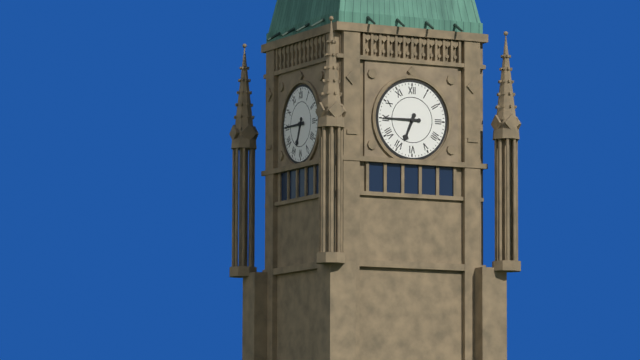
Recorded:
6.45
